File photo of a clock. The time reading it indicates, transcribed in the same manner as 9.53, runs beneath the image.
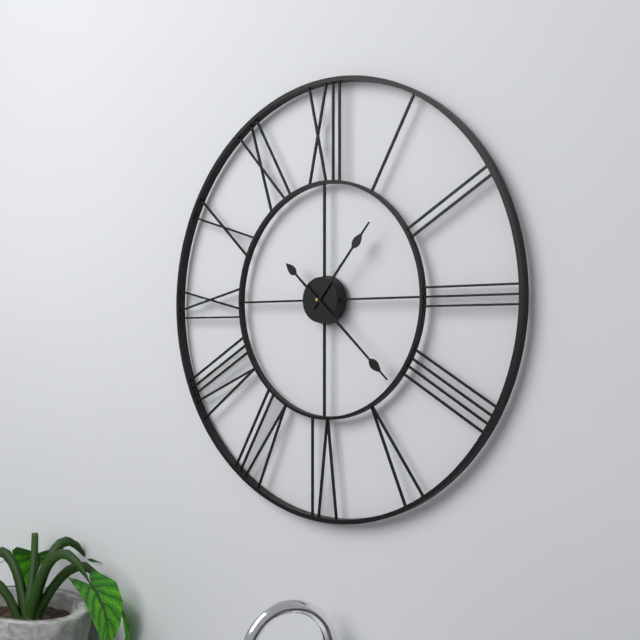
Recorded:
1.22
